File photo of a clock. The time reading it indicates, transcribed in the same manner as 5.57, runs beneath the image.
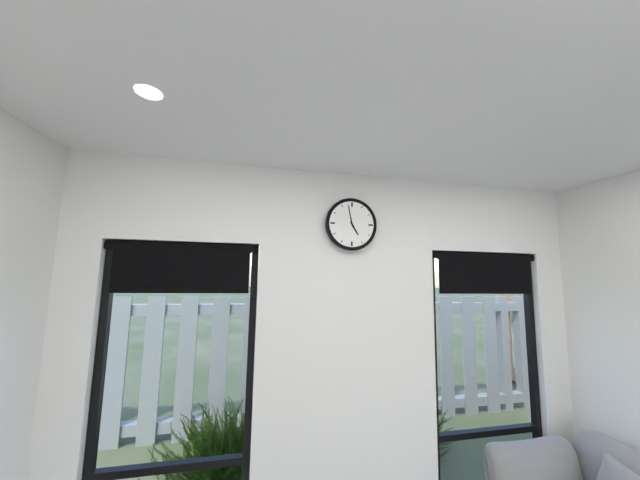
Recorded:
4.58
